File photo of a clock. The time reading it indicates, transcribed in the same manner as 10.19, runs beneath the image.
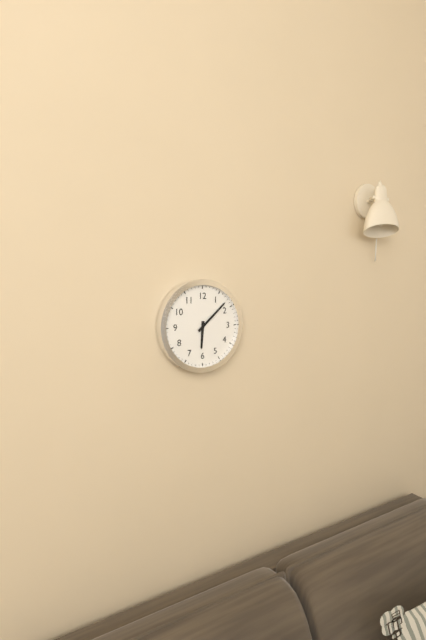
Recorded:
6.08
